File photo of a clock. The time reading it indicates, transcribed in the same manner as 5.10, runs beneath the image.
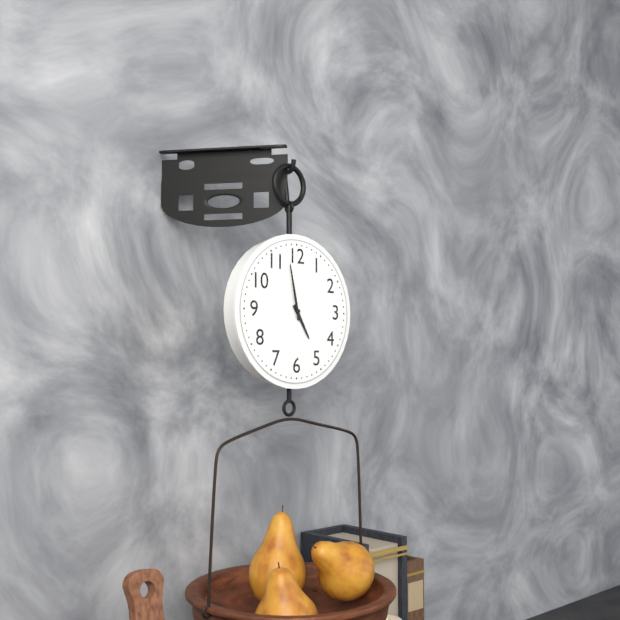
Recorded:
4.58
